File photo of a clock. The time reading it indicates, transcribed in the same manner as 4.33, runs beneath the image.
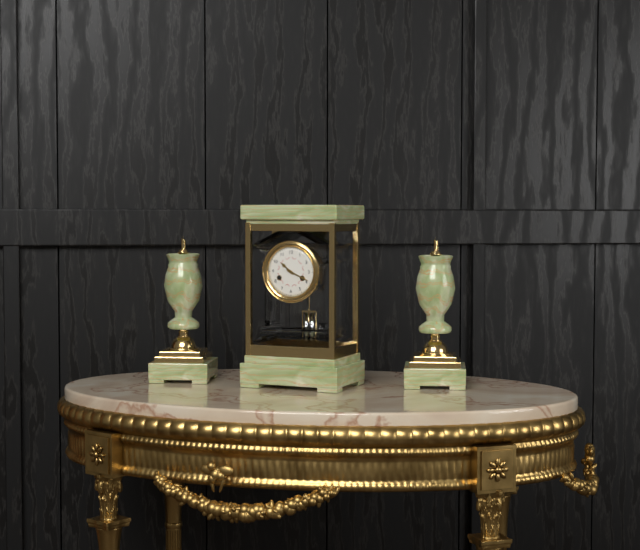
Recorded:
10.19
